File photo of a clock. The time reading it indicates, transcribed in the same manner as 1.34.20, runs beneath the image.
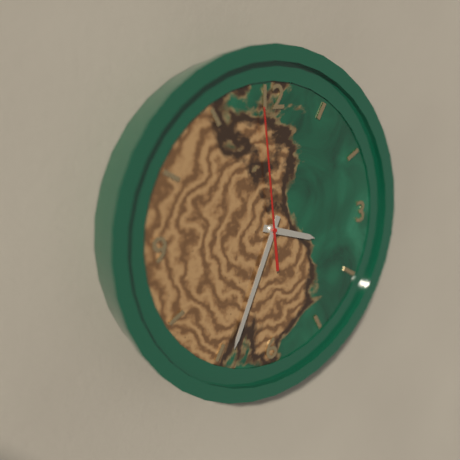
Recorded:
3.34.59
